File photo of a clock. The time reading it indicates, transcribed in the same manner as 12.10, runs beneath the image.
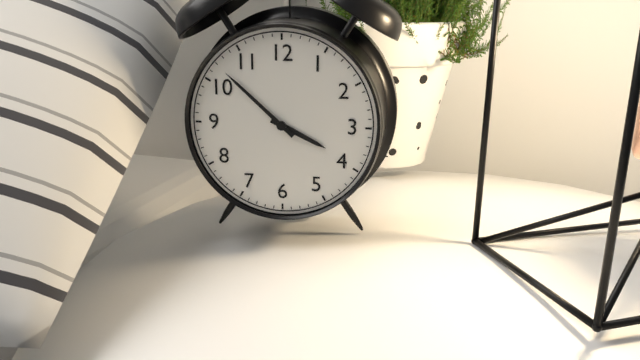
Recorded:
3.52
